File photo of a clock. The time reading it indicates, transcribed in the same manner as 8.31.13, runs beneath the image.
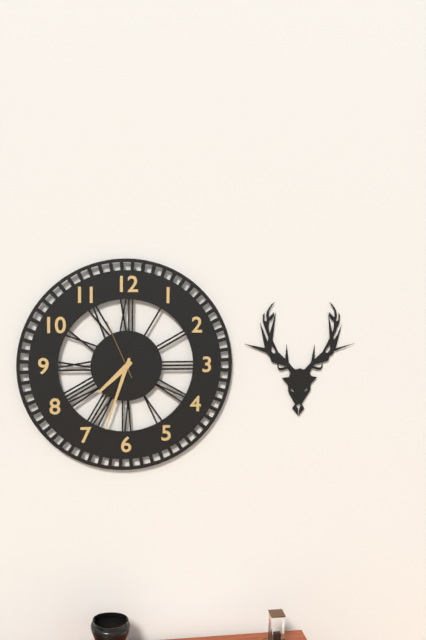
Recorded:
7.33.56
